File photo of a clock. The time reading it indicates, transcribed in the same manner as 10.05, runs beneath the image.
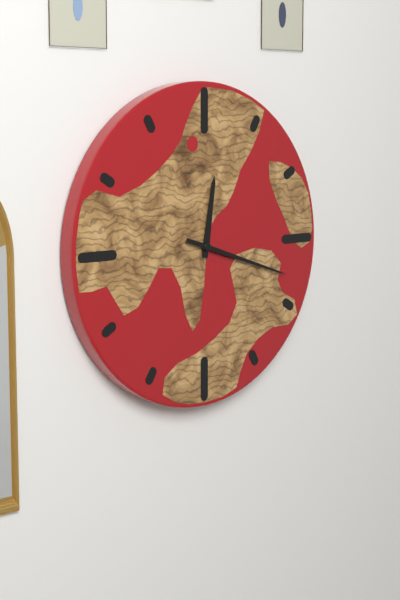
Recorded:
12.18
